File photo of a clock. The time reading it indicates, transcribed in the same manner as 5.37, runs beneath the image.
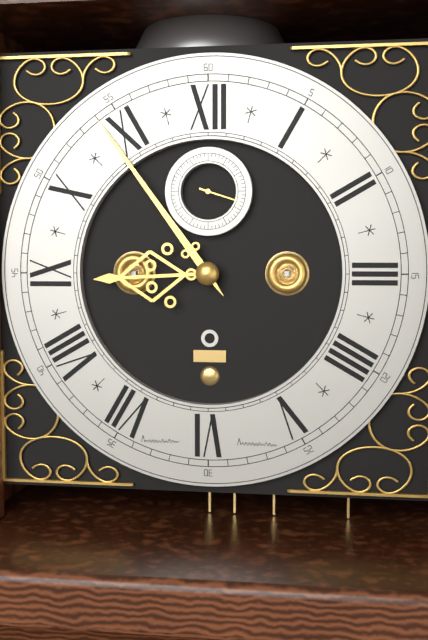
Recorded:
8.54
